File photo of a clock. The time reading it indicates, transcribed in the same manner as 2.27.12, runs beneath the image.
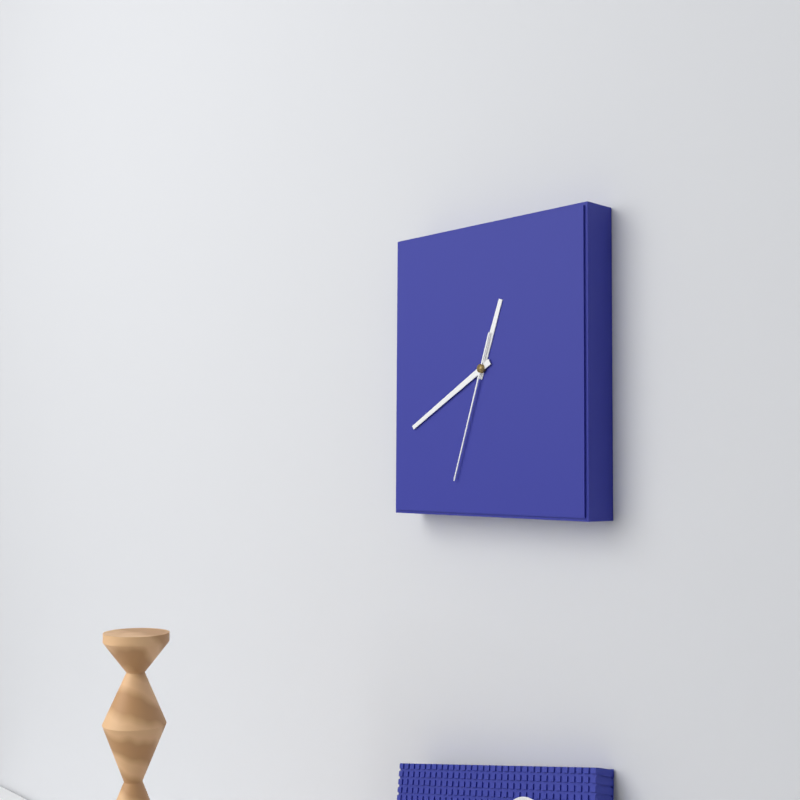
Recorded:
12.40.33
